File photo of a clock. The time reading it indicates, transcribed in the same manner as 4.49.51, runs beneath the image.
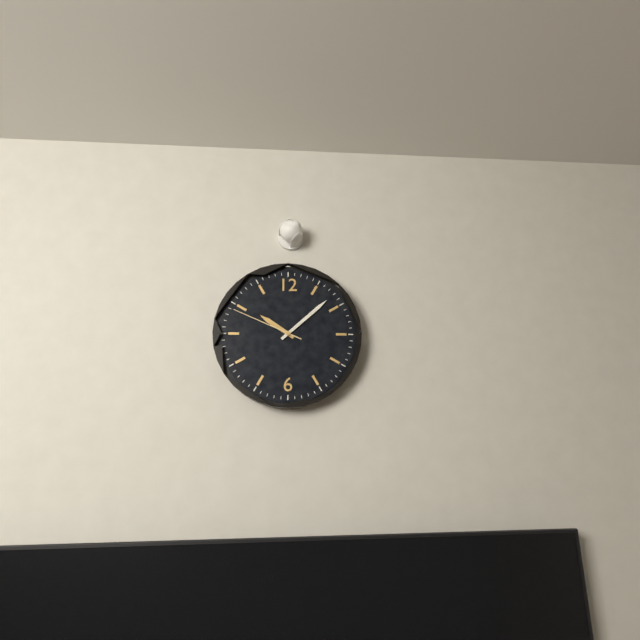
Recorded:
10.08.49
